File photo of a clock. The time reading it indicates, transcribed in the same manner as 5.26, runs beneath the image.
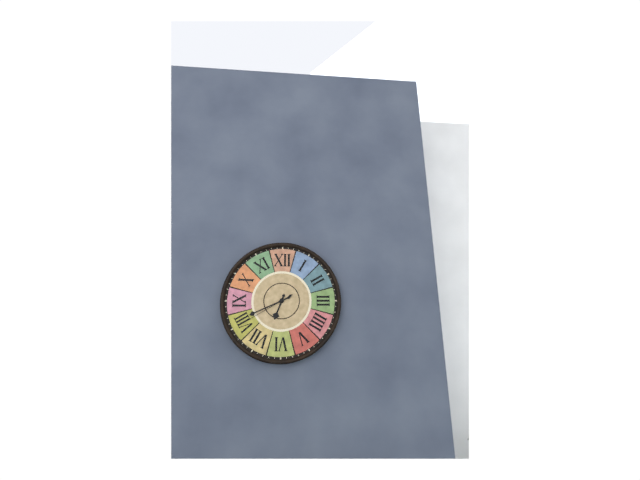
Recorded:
6.41
